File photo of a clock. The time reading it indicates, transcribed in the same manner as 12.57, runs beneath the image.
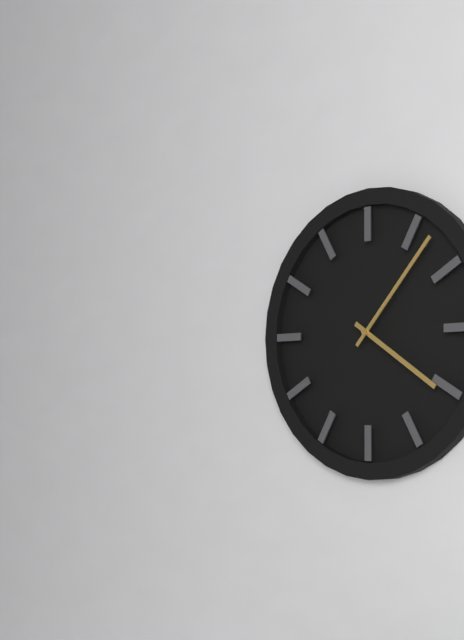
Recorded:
4.07
